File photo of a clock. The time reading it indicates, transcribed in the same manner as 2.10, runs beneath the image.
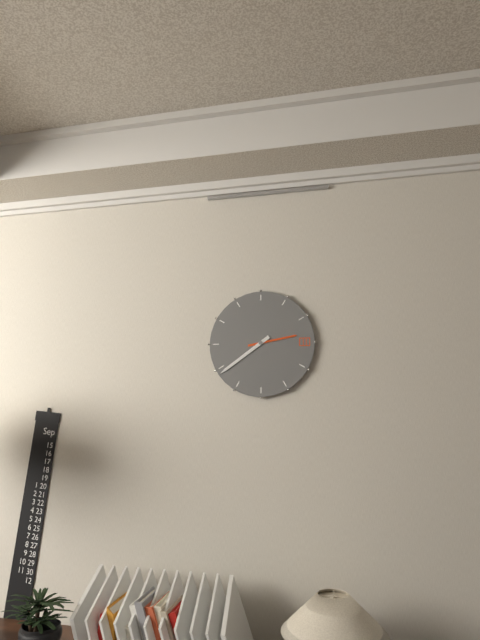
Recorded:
2.39
